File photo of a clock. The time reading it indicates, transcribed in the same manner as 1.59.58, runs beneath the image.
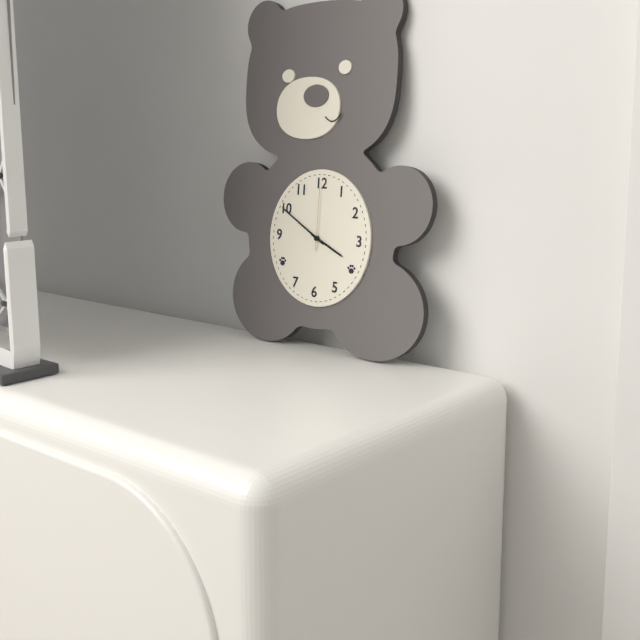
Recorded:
3.50.00
